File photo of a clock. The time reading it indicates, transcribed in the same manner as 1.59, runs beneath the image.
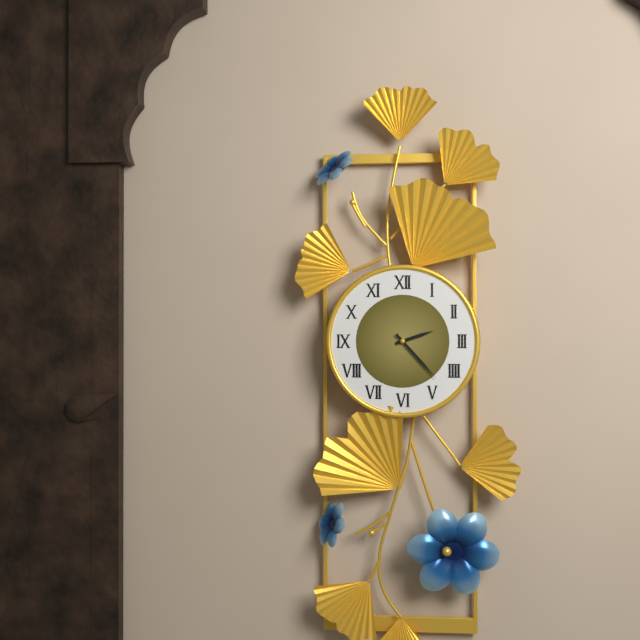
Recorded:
2.23
